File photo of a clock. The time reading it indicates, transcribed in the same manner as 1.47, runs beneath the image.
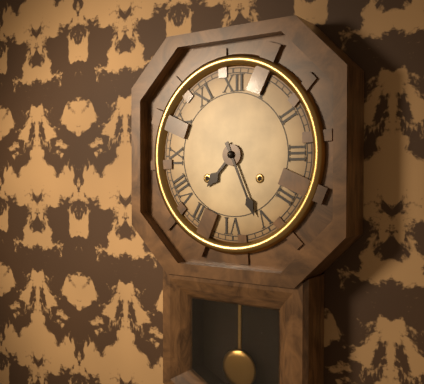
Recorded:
7.26
